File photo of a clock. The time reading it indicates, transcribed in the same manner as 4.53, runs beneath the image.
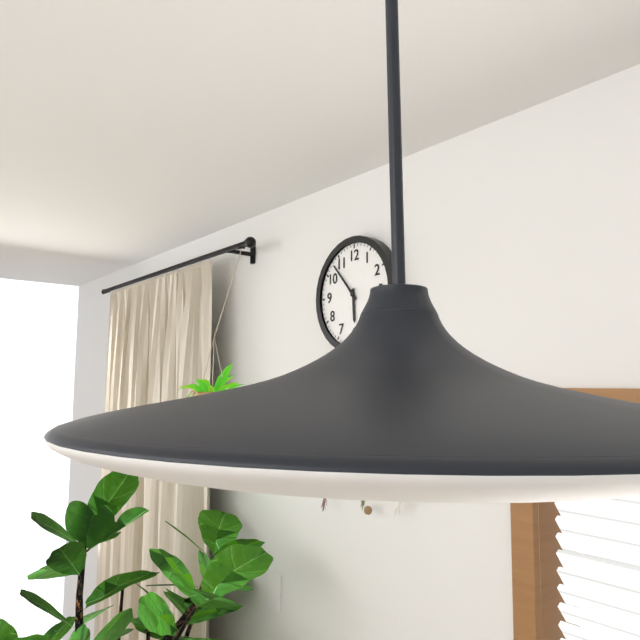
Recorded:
5.53
